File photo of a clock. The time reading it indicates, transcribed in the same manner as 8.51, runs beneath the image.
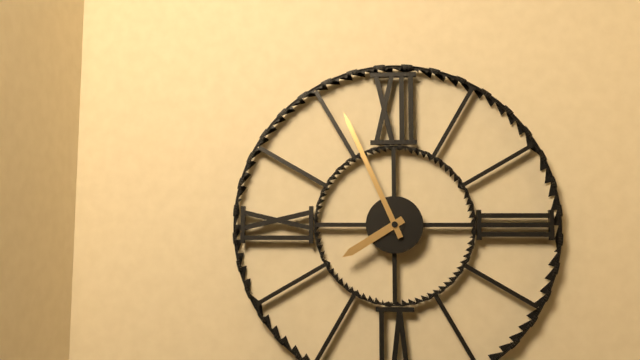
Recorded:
7.56
